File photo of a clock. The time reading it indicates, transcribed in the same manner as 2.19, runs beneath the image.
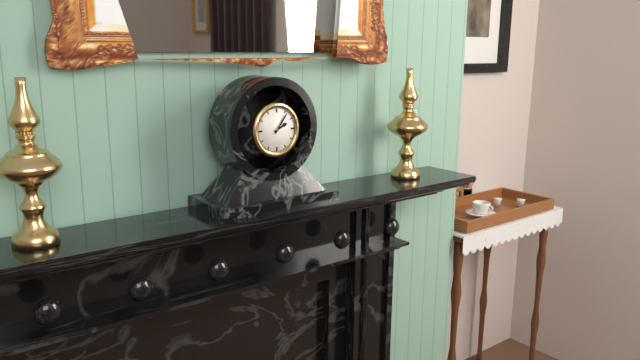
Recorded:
2.06
